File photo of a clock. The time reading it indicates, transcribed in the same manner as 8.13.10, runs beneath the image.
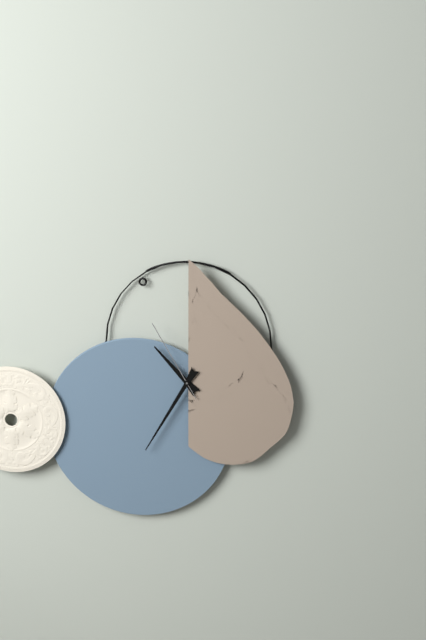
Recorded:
10.35.55
